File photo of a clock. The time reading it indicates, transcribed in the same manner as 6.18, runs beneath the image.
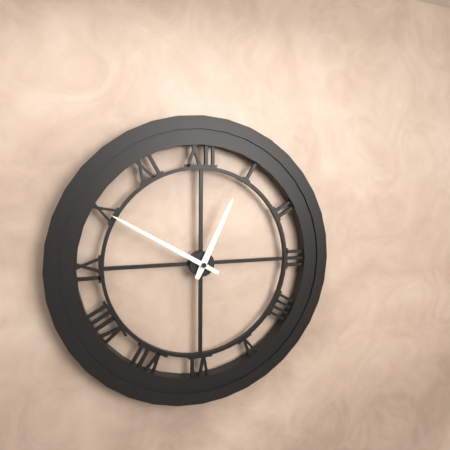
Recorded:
12.50
